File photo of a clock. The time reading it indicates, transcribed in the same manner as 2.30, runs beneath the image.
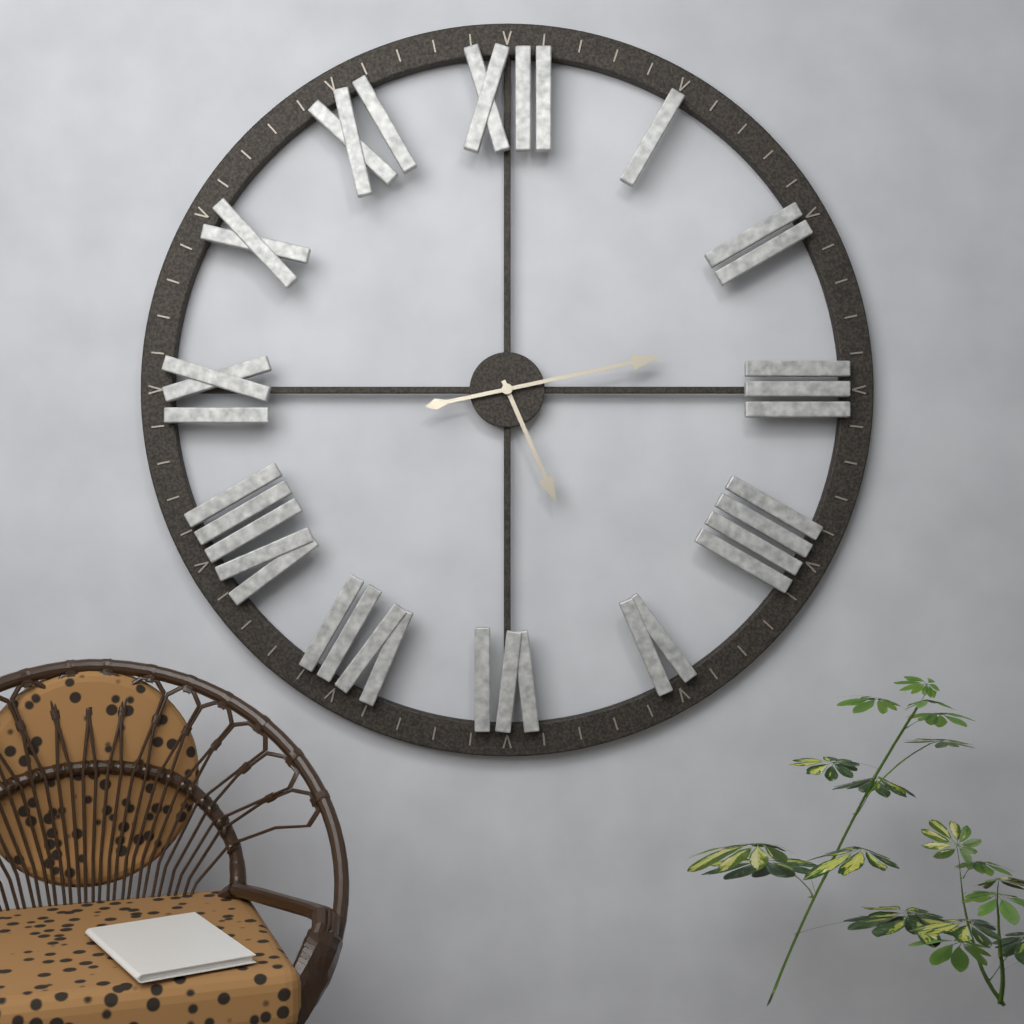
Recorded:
5.13
